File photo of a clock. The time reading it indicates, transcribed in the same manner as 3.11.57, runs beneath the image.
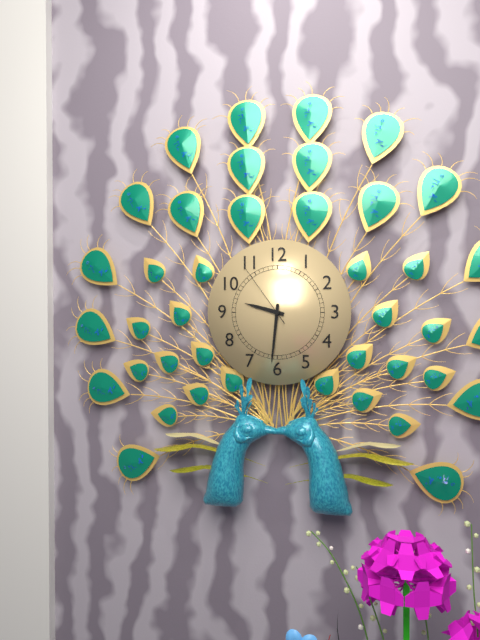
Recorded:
9.31.54
